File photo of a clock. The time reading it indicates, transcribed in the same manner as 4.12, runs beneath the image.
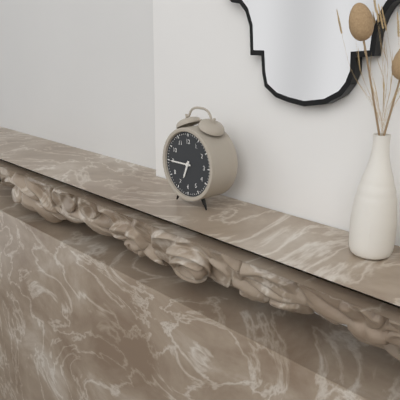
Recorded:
6.45
